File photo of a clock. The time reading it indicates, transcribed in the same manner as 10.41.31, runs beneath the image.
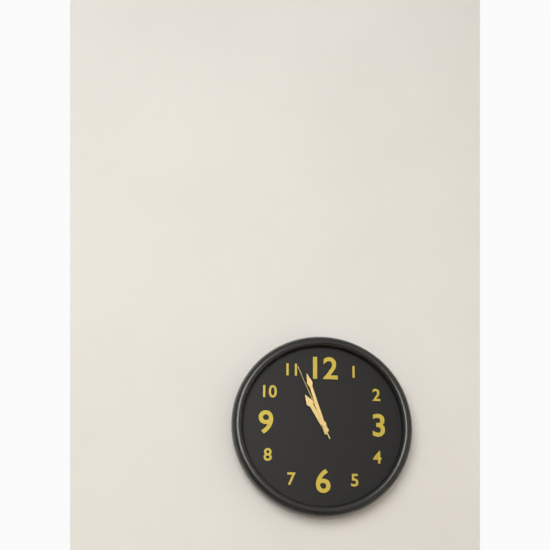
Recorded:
10.57.56
